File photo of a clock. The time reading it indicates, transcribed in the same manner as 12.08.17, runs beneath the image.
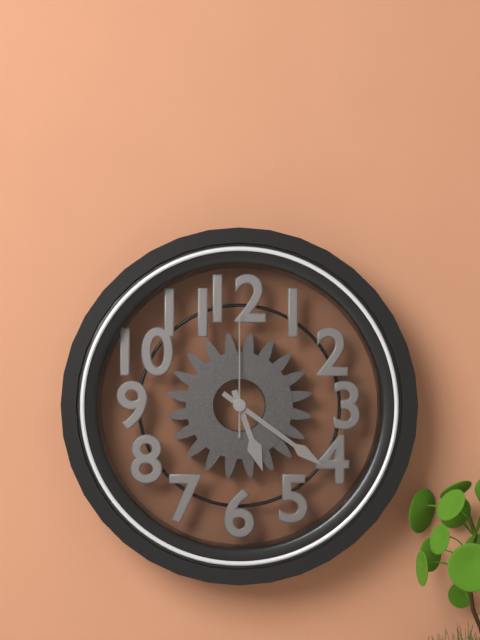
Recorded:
5.21.00
